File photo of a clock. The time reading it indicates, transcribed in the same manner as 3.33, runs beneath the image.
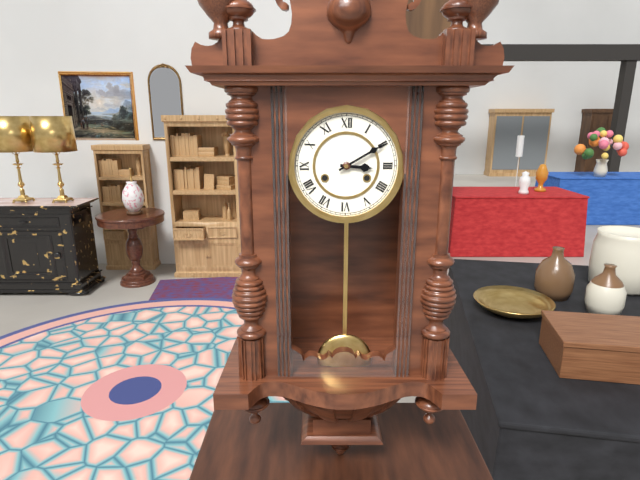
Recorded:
3.10
